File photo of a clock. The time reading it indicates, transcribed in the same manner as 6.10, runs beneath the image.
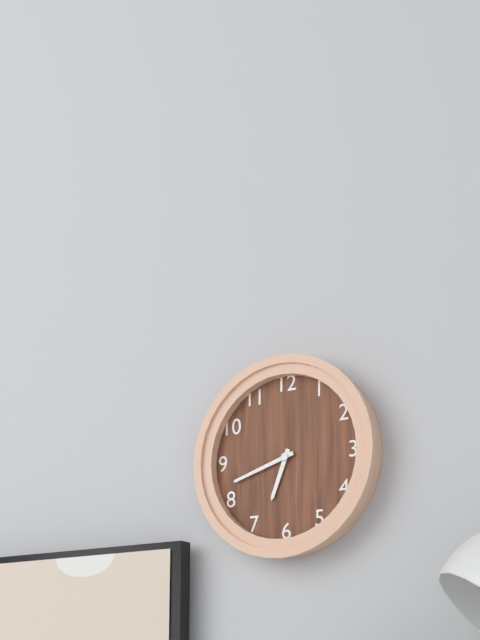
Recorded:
6.42
